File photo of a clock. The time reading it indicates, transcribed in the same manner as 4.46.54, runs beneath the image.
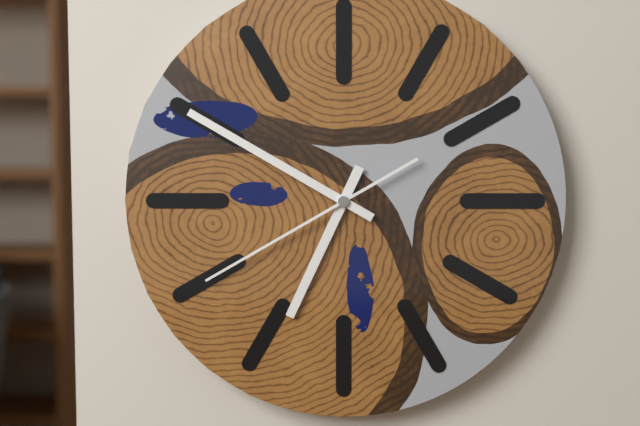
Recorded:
6.50.40
